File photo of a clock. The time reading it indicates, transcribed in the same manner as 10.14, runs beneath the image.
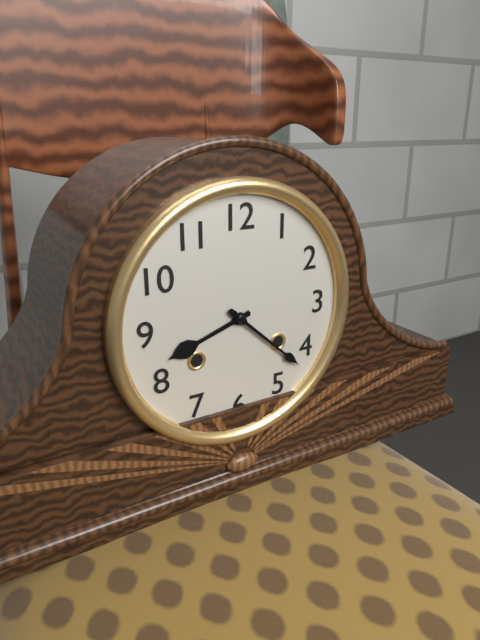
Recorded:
8.22
